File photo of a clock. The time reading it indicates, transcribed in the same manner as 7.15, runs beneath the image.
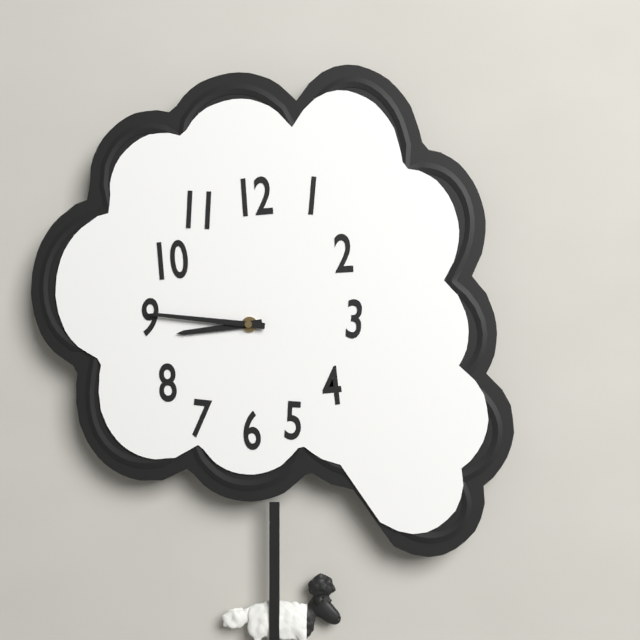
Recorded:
8.46
